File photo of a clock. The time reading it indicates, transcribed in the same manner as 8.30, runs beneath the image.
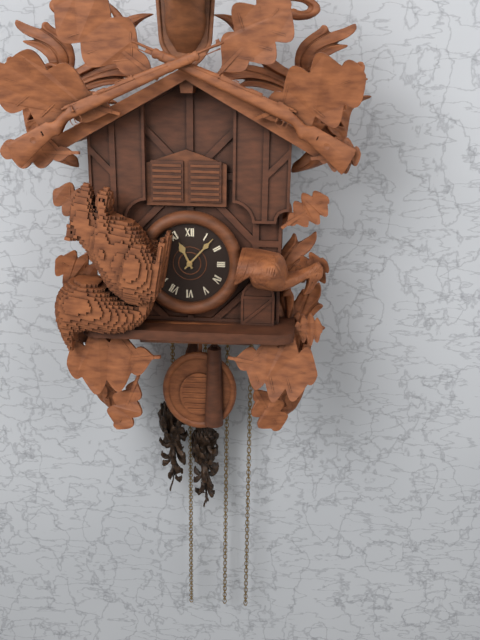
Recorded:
11.07
